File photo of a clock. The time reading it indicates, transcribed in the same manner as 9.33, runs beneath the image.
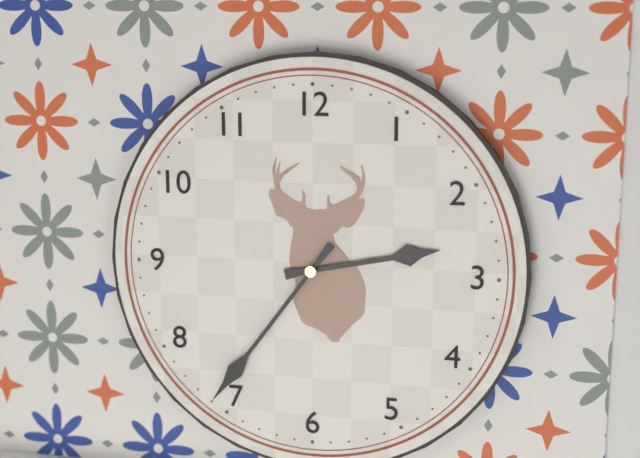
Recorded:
2.36
